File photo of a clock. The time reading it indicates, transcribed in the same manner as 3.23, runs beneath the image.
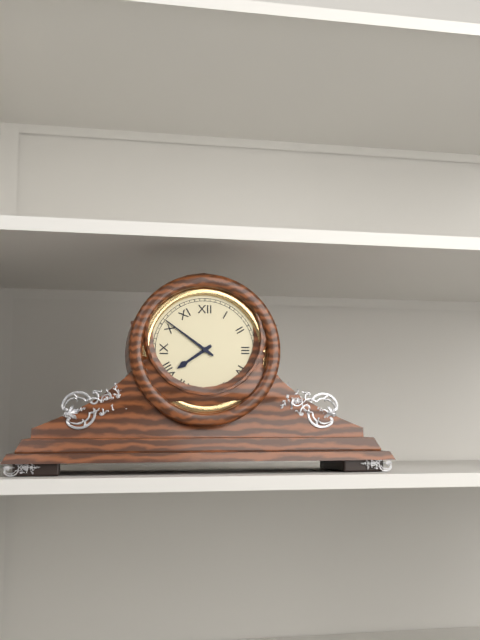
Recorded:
7.51
